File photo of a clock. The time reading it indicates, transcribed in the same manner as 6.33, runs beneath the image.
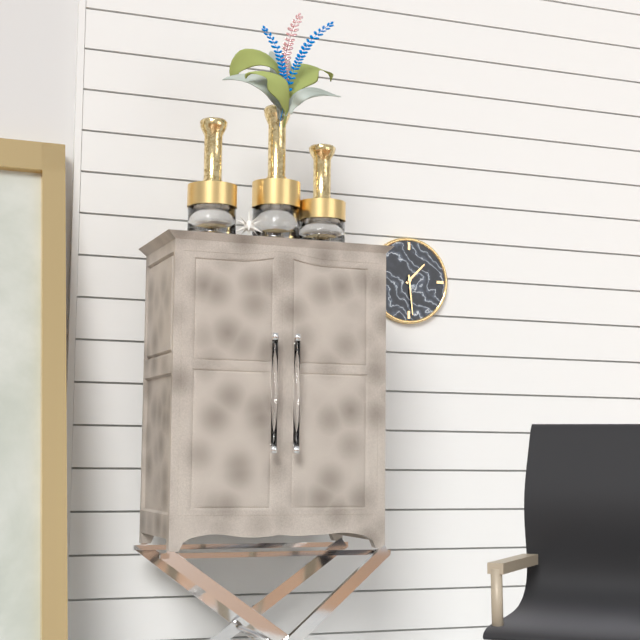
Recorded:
1.29
